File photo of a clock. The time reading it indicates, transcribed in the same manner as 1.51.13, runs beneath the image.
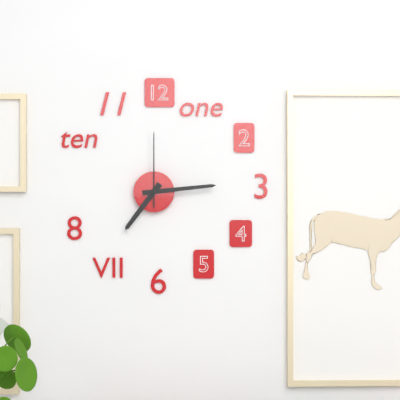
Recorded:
7.14.00
